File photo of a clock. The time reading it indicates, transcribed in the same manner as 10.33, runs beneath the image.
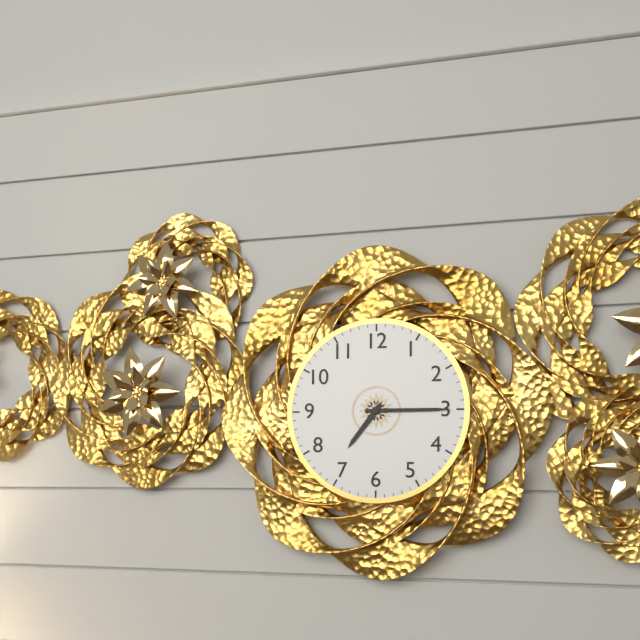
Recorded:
7.15
